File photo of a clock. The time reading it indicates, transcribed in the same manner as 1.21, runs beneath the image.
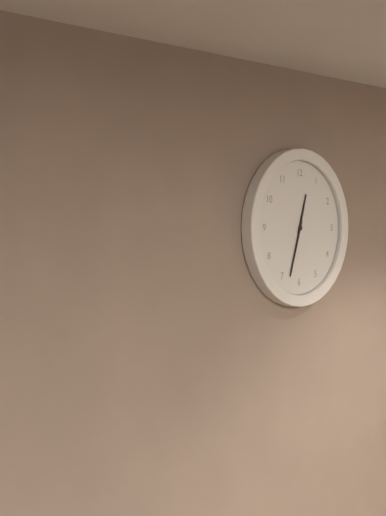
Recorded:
12.33
